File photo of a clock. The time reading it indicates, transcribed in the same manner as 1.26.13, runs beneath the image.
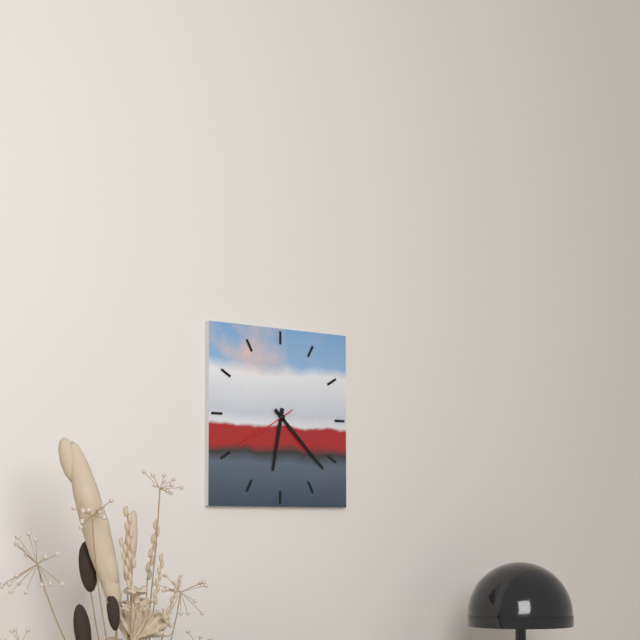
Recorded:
6.22.40
